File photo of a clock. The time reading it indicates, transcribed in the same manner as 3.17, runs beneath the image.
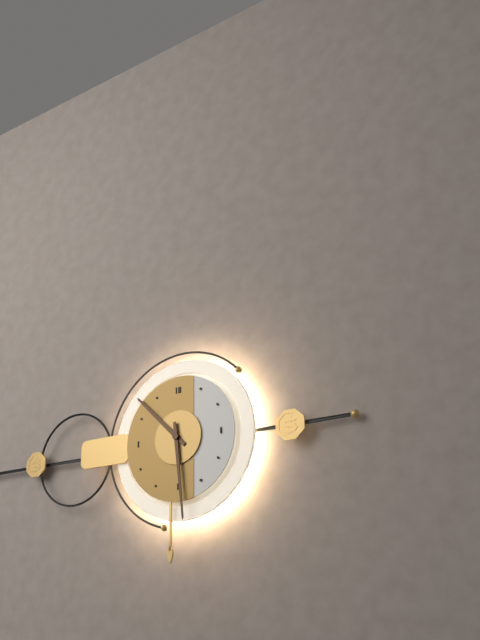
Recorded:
10.29
